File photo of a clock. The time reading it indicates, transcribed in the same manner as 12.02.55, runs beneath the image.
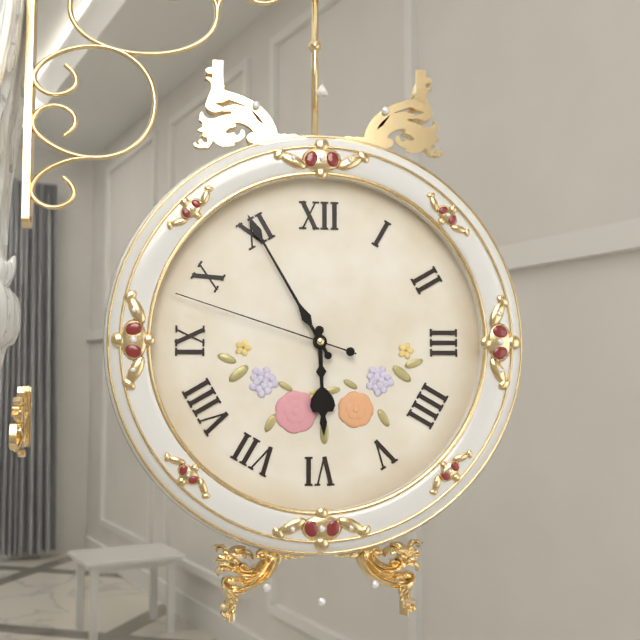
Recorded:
5.55.48
